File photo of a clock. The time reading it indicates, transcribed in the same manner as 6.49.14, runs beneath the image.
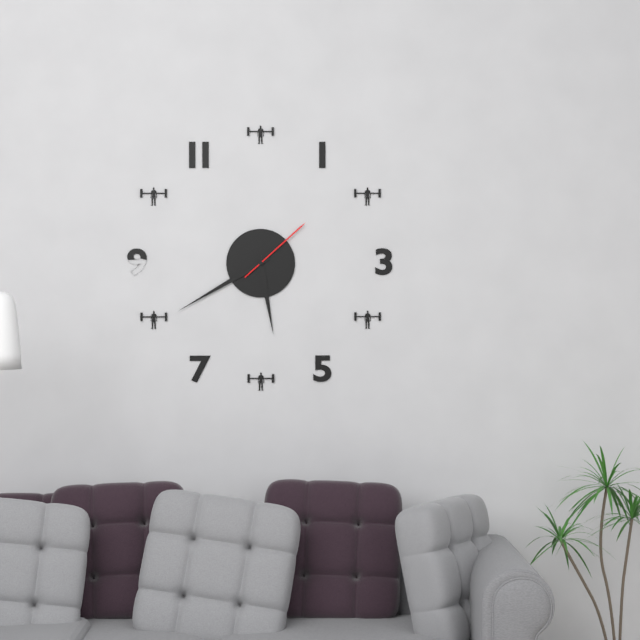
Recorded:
5.40.08
